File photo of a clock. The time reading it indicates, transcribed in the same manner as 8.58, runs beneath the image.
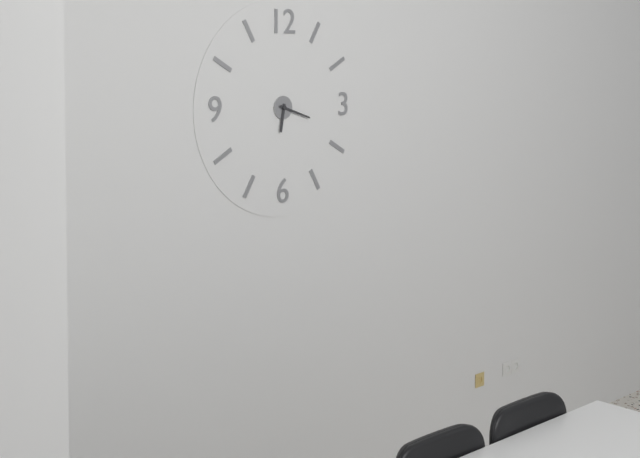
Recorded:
6.18
